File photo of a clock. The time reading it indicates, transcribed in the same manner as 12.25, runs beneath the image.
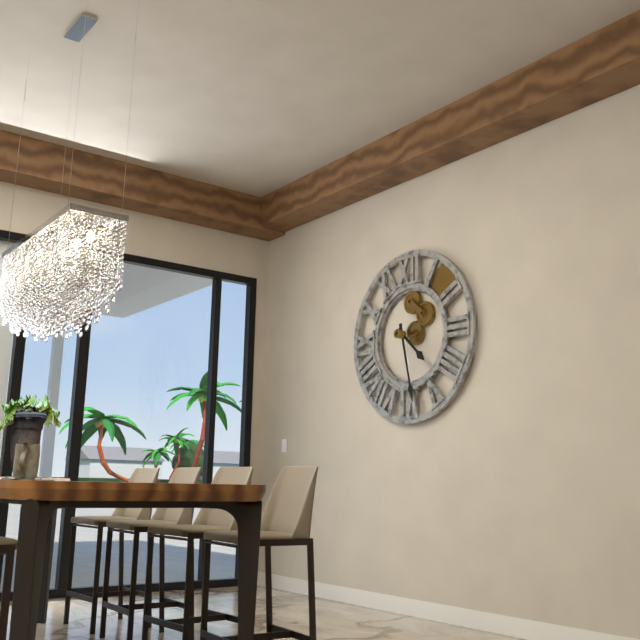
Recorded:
4.28
